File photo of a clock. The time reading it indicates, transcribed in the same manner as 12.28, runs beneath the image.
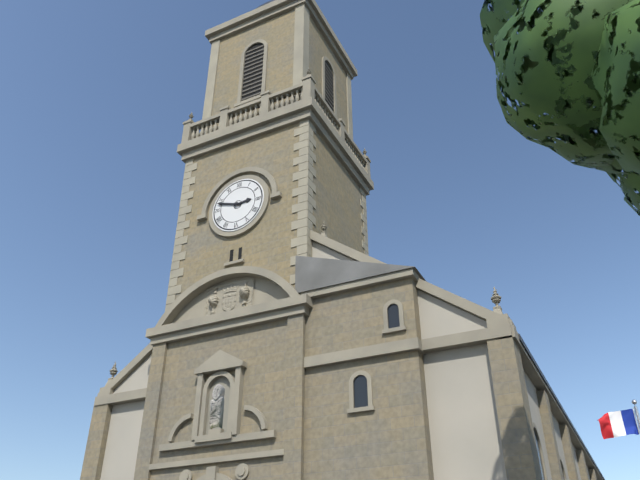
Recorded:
2.48
